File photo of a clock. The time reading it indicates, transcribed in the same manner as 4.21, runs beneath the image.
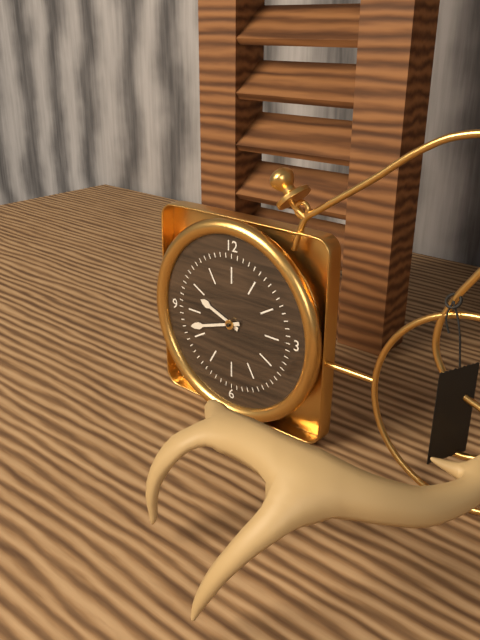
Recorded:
9.42
